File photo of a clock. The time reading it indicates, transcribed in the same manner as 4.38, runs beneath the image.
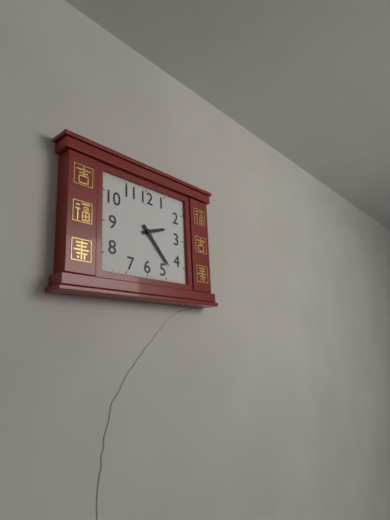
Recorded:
2.23
